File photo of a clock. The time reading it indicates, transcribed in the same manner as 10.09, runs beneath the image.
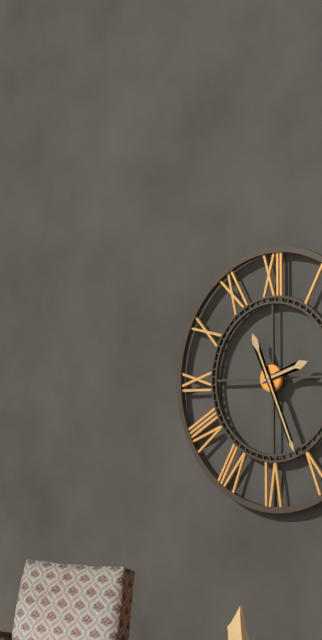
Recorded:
2.26
